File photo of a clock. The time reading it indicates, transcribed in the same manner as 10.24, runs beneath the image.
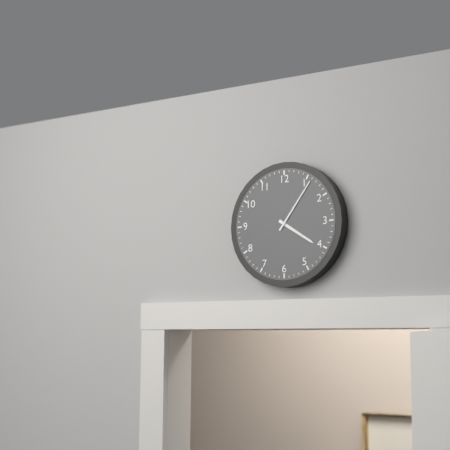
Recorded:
4.06
